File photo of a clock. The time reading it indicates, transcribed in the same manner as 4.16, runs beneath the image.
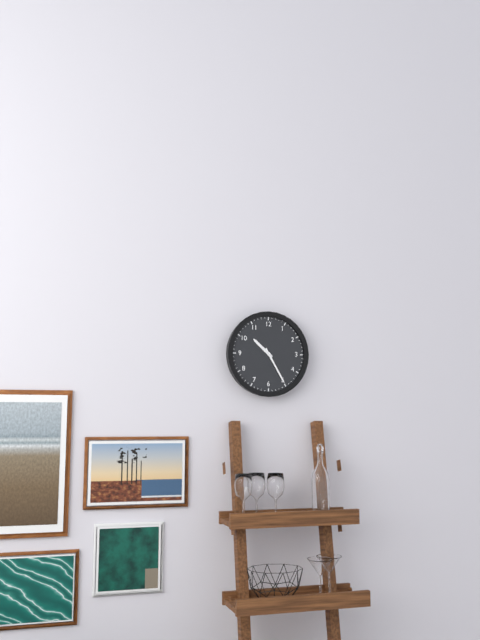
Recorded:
10.25
